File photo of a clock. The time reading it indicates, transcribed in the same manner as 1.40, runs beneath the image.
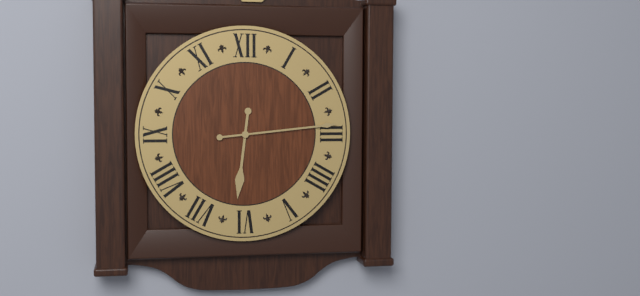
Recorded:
6.14
